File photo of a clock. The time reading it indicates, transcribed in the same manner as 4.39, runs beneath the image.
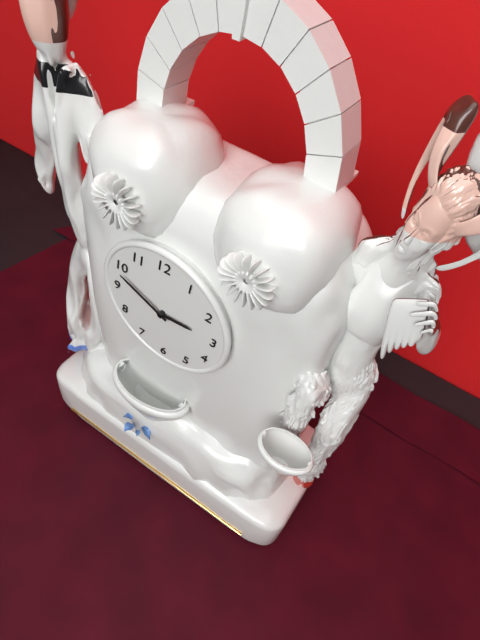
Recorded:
2.49
